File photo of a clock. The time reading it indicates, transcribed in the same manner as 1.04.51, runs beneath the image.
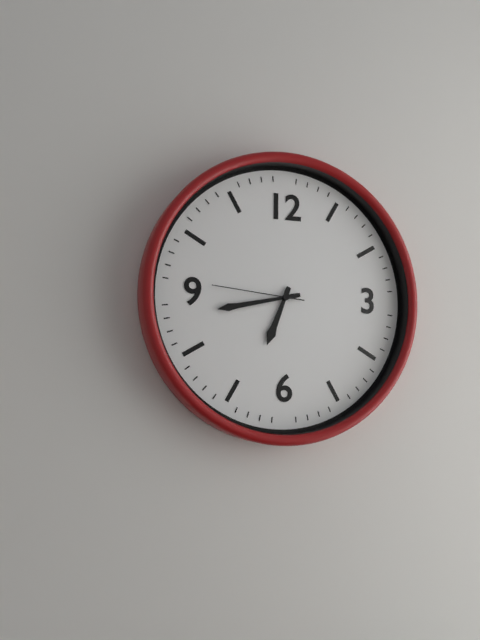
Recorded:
6.43.46
